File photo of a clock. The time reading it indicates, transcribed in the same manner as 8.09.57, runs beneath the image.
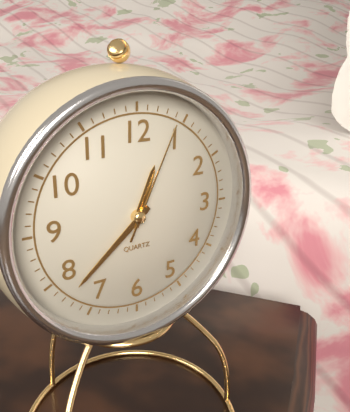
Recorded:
12.38.04
